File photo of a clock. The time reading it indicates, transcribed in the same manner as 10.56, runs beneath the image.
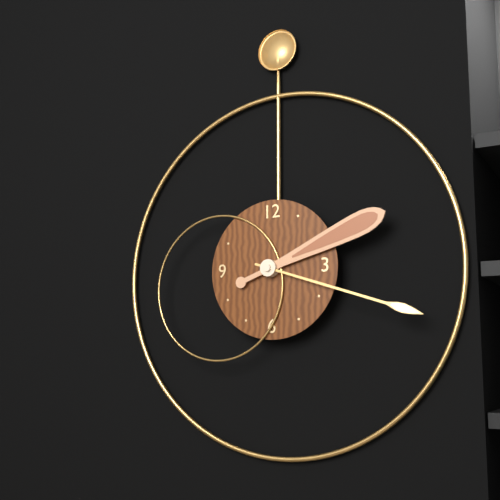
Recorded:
2.18
